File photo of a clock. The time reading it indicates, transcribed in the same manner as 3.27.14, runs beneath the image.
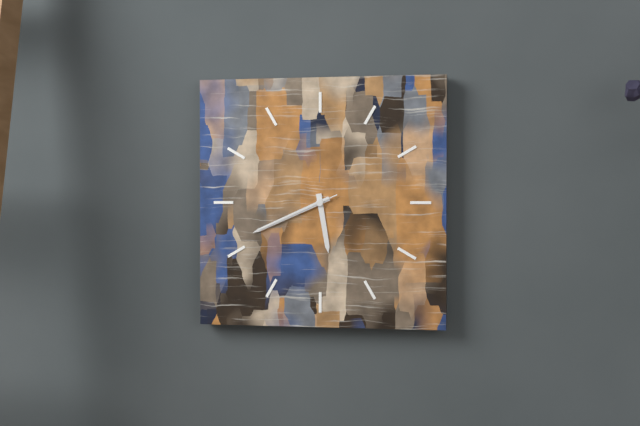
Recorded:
5.41.41
